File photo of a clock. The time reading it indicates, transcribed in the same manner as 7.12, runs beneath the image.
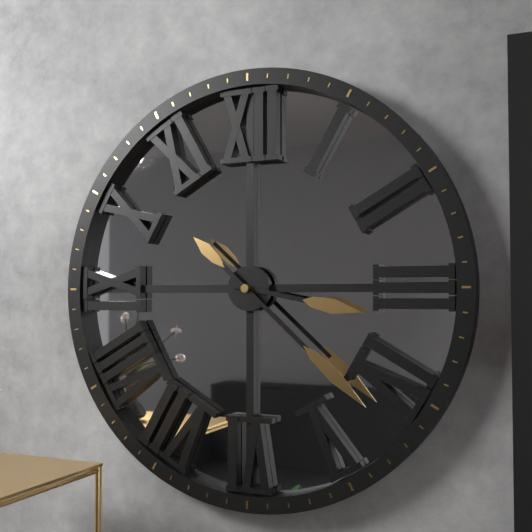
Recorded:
3.22
